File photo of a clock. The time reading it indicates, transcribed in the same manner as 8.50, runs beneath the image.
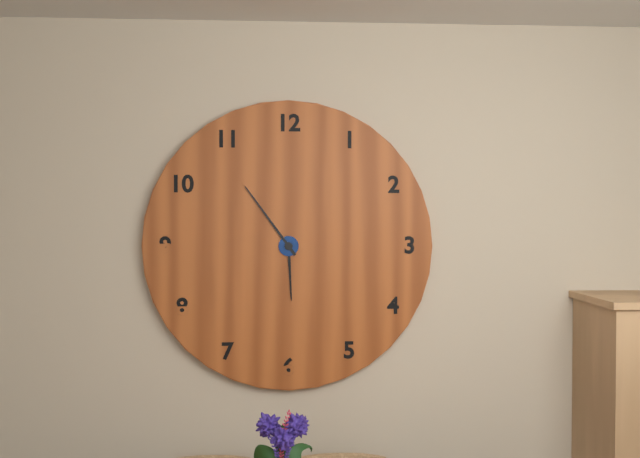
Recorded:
5.54
